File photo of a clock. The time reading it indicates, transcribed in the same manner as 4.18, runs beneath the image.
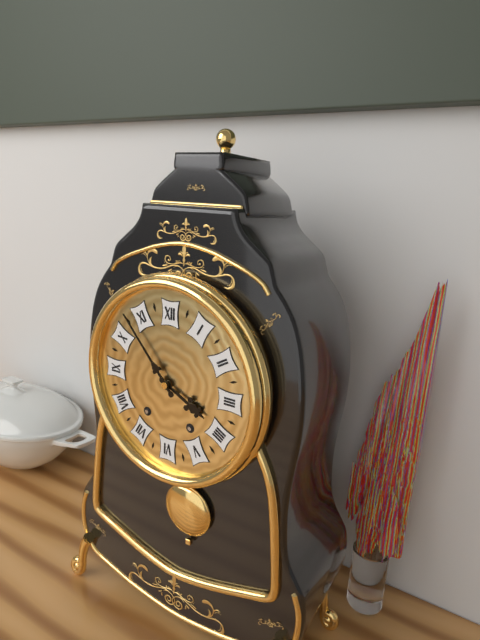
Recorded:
3.53
